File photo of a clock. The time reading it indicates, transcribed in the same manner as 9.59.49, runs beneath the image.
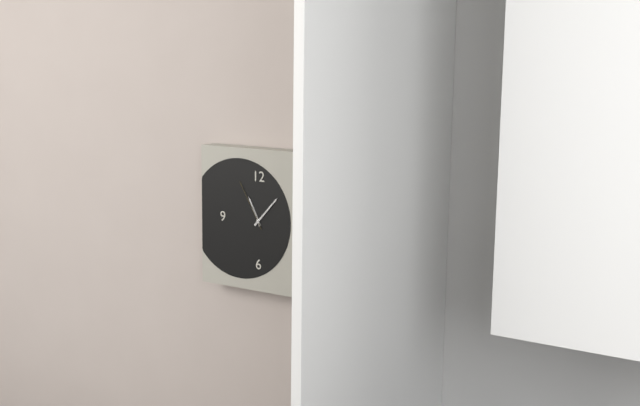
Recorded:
11.07.55
